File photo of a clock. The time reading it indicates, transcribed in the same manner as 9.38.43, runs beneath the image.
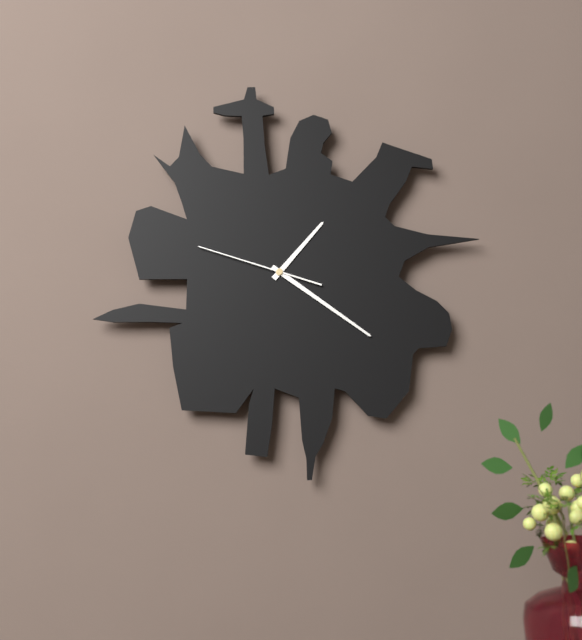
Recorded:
1.21.48
